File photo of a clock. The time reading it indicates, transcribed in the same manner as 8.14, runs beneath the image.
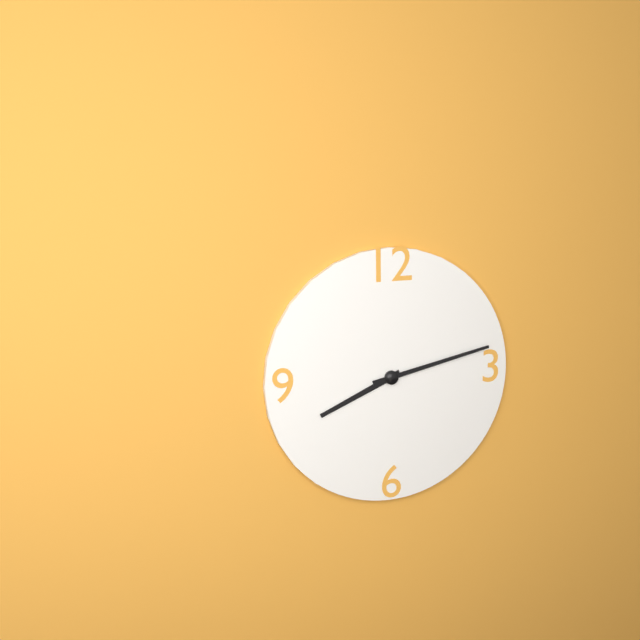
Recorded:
8.13
